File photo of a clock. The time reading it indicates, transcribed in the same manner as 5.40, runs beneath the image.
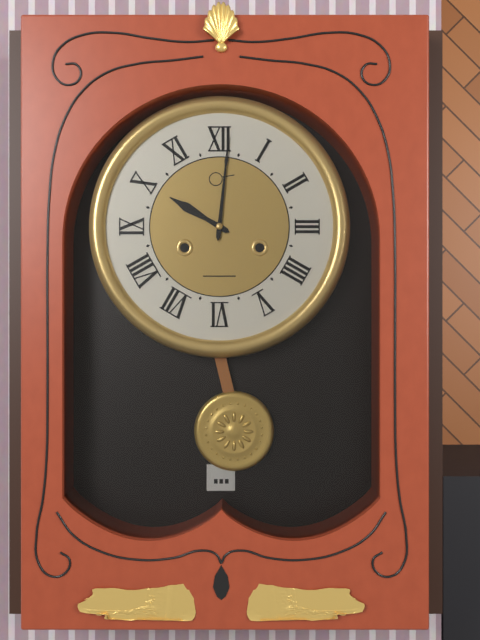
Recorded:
10.01
